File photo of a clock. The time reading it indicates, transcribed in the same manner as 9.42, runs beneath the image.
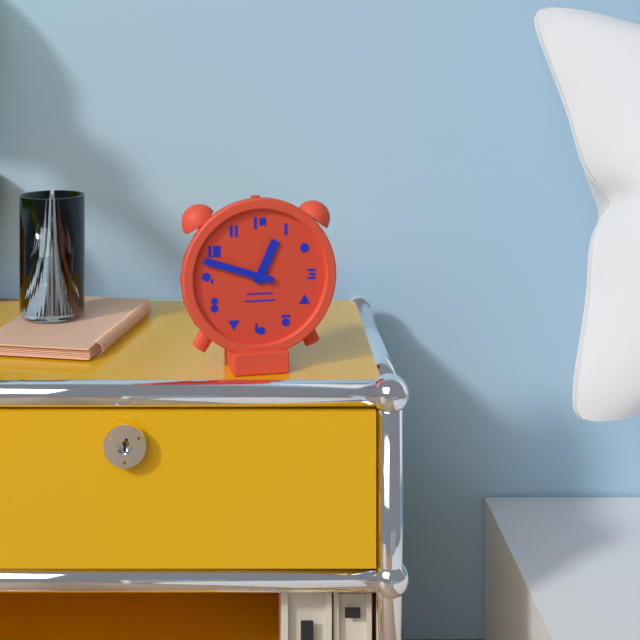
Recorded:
12.48
